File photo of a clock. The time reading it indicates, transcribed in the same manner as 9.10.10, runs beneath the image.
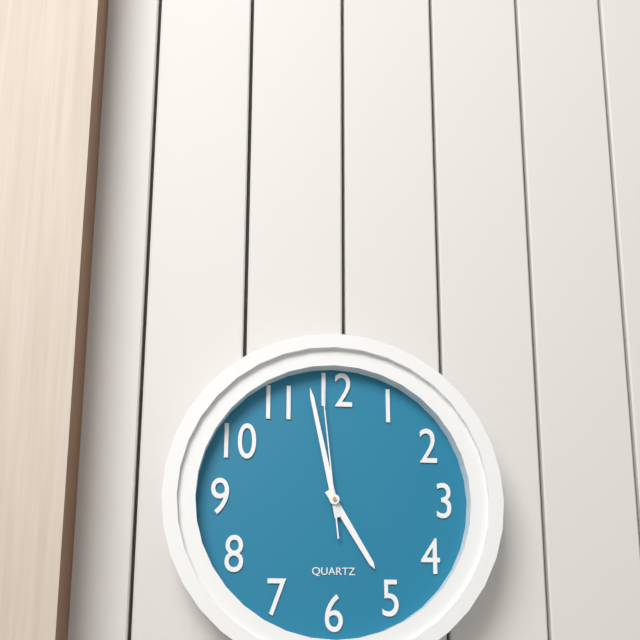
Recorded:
4.58.59
